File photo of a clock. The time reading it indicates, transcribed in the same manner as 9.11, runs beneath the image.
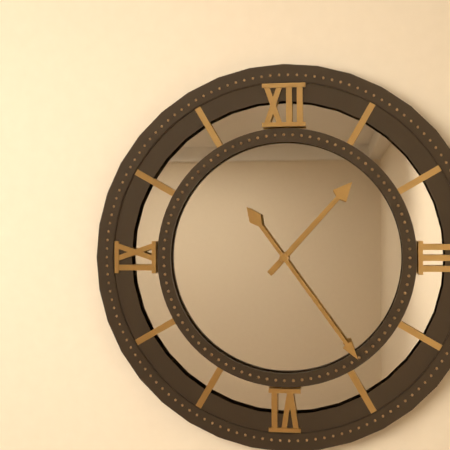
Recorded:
1.24
